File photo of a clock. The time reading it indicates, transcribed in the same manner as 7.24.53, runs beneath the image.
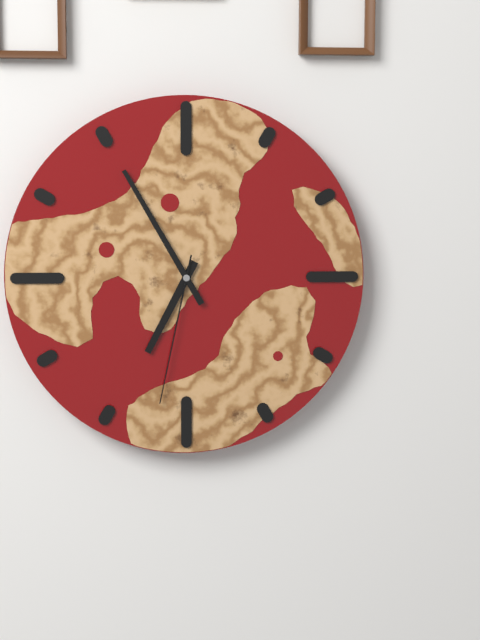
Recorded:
6.55.32
